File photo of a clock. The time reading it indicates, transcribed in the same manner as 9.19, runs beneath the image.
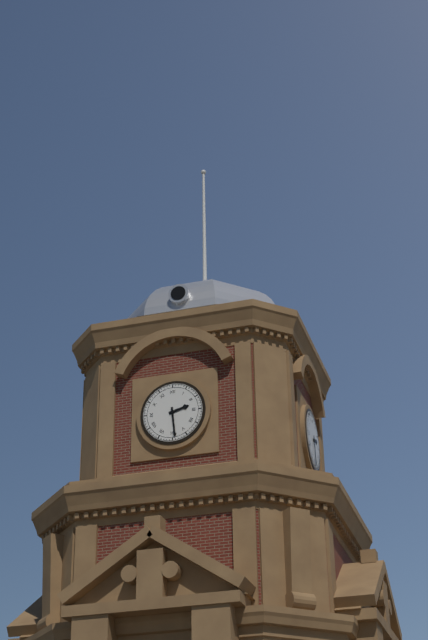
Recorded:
2.29
